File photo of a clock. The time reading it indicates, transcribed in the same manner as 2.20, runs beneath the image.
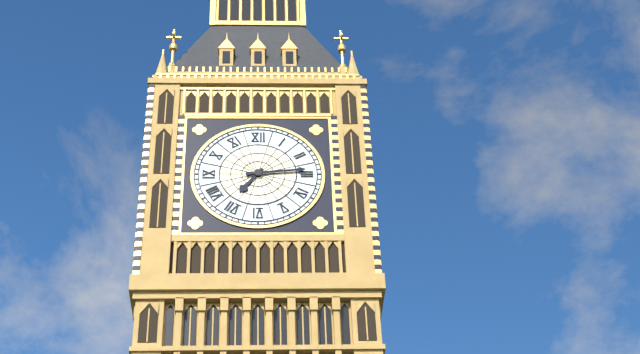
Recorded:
7.14
